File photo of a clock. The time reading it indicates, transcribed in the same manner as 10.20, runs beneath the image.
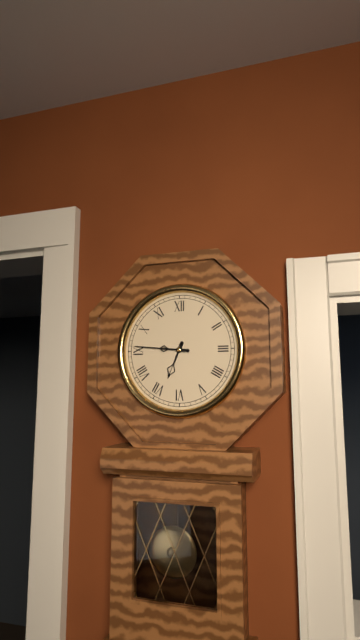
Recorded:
6.46
